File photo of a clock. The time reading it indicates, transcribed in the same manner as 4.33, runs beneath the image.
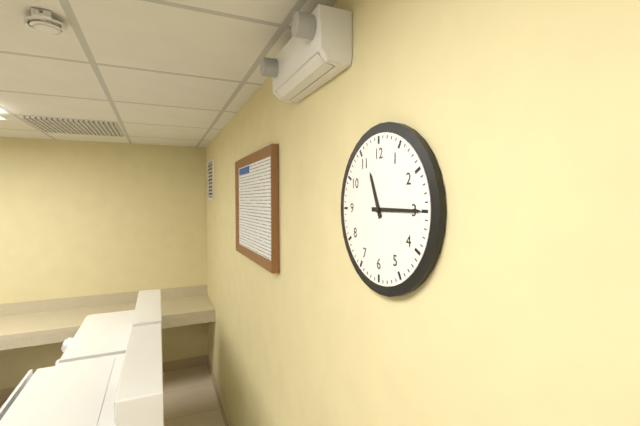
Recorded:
11.15
